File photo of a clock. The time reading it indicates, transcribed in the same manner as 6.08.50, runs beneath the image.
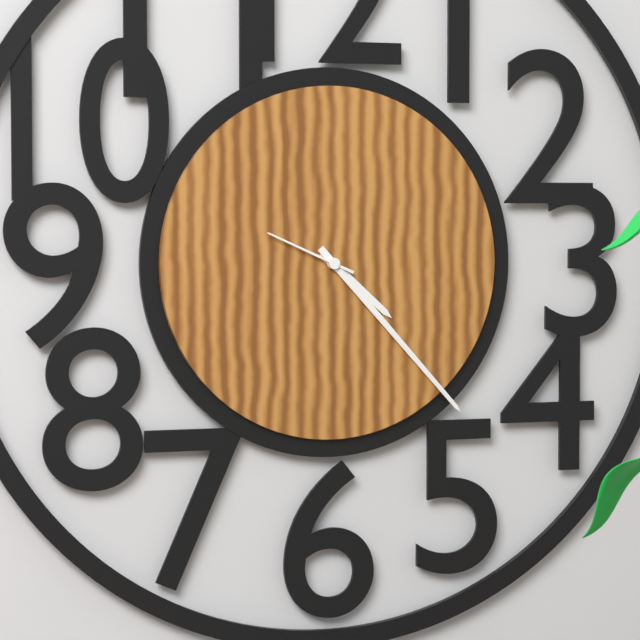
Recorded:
4.23.49
